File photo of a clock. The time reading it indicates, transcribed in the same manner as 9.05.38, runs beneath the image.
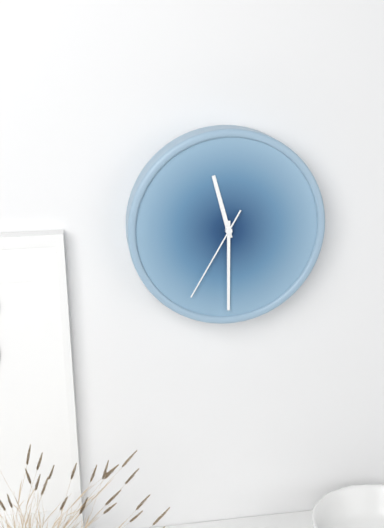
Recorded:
11.30.35
